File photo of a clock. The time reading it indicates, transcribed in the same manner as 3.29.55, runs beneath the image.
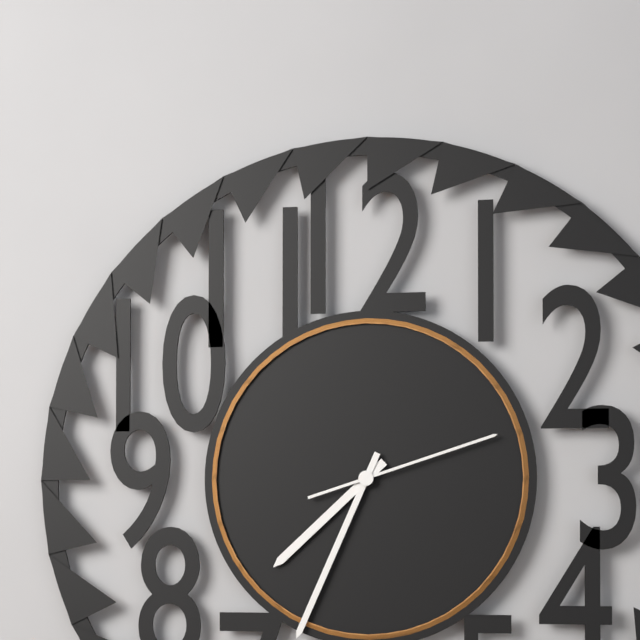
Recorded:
7.34.12
